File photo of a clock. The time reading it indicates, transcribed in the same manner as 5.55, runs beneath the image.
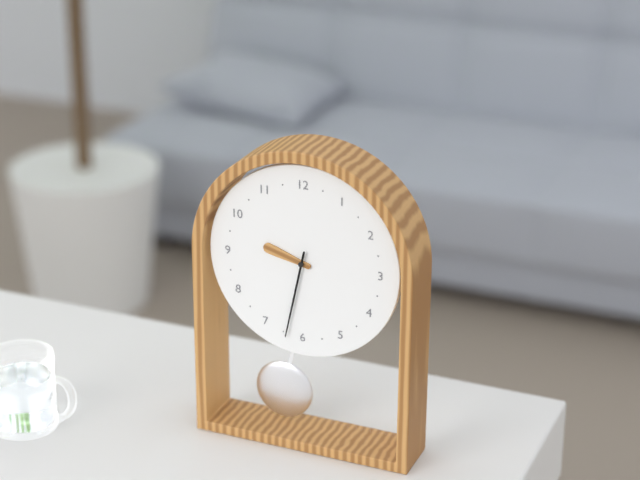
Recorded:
9.32
